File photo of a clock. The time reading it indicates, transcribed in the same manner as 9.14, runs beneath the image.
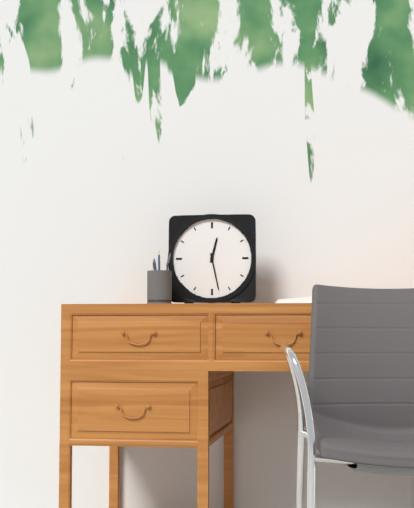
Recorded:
12.28
